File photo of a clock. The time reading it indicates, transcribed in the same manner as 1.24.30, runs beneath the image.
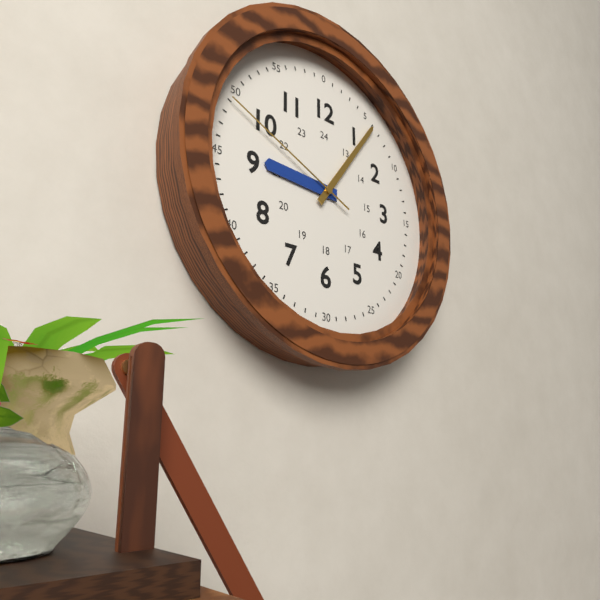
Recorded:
9.06.49
